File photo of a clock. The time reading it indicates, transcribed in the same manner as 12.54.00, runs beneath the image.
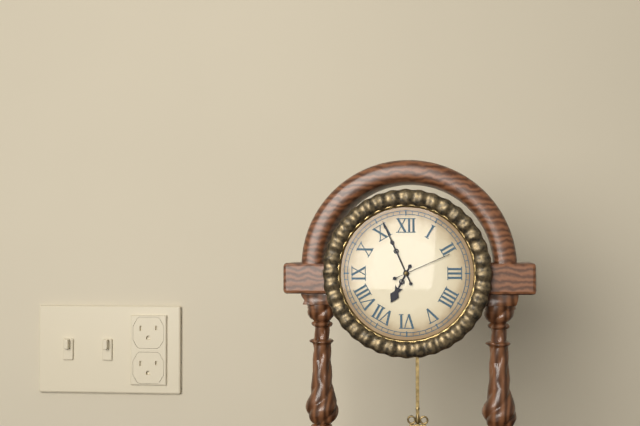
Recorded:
6.56.11
